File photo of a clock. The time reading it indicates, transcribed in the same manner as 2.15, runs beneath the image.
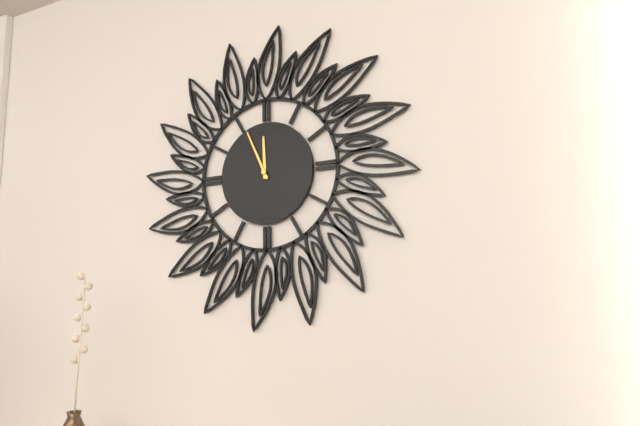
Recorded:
11.56
